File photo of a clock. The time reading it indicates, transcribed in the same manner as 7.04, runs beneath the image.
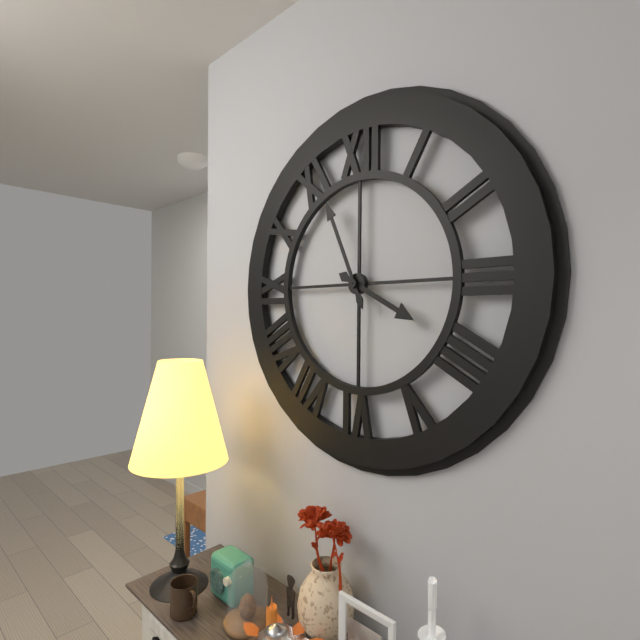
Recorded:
3.56
